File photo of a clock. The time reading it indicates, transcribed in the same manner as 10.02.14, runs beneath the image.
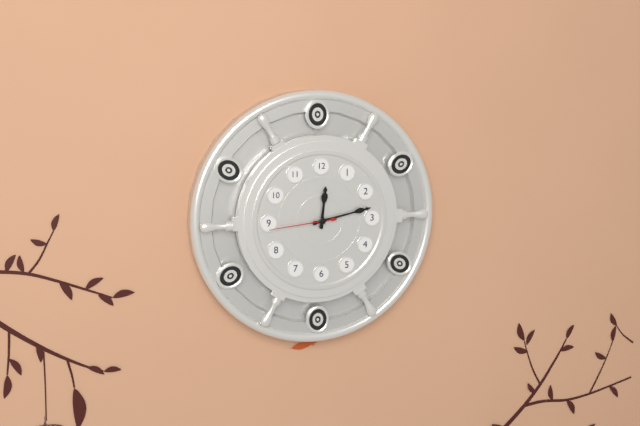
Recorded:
12.13.44
